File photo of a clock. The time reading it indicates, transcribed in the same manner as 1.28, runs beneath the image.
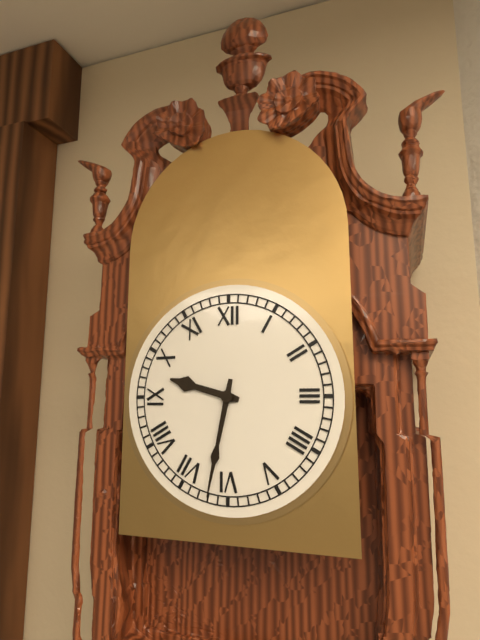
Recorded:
9.32
